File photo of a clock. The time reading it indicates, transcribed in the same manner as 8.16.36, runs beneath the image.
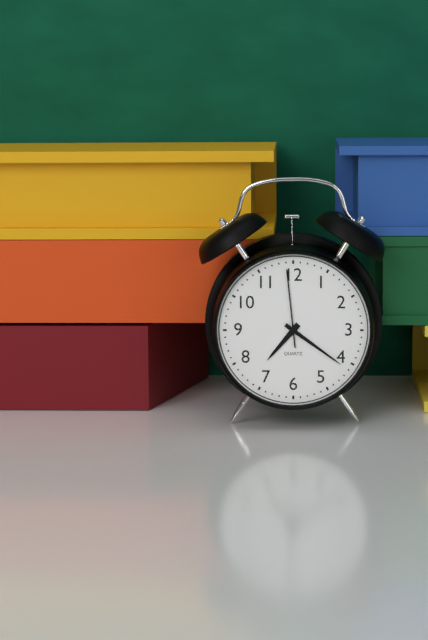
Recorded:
7.21.59
